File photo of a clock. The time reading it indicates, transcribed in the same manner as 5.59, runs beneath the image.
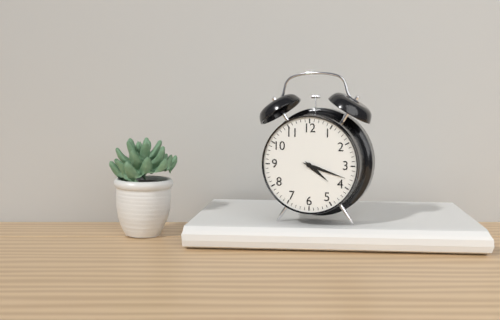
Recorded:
4.18
